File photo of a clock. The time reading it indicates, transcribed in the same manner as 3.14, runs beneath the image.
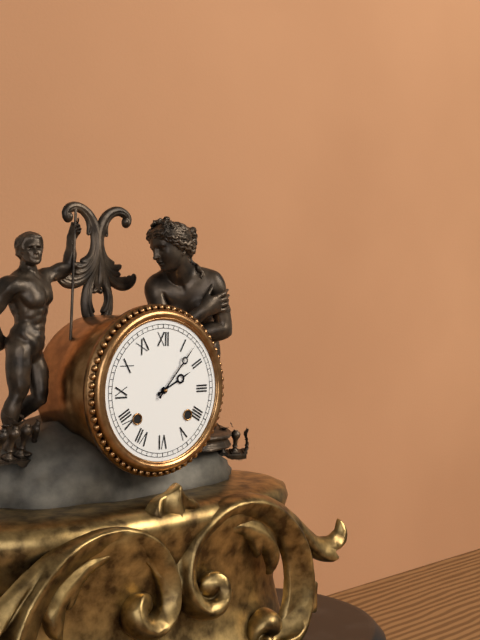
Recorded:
2.07
